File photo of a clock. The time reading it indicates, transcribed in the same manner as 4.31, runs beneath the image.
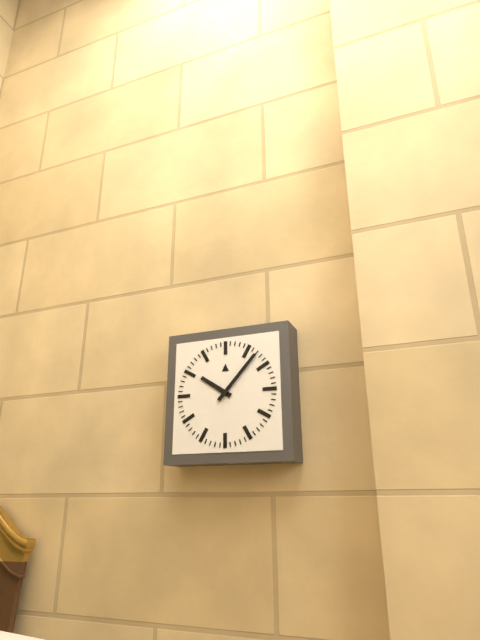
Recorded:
10.07
